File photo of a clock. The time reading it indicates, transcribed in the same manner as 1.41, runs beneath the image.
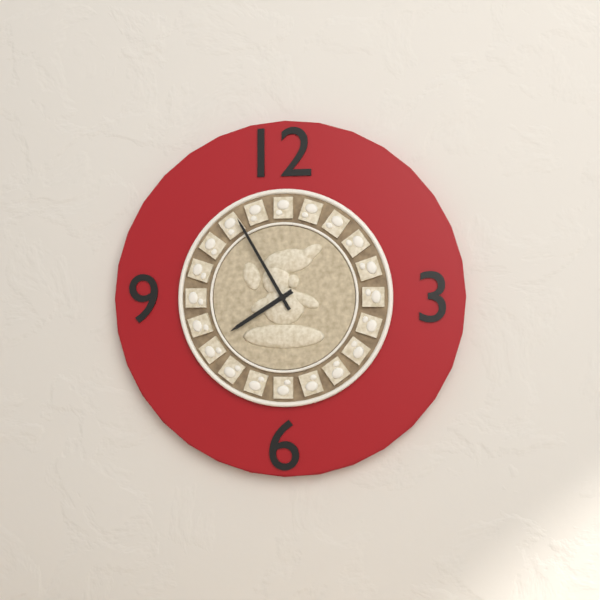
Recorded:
7.55
